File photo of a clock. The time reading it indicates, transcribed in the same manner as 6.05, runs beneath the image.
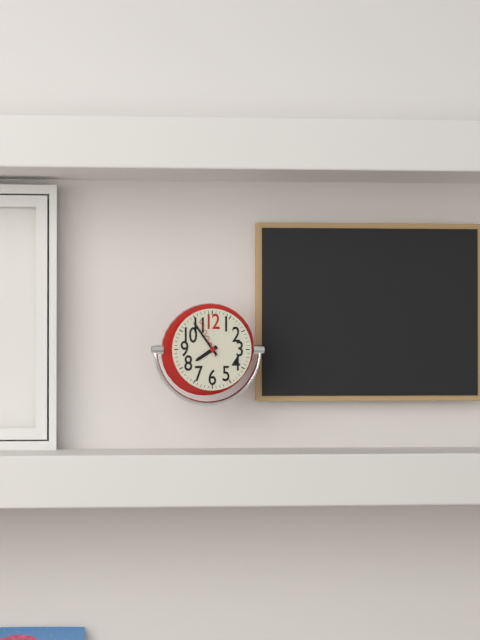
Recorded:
7.54
